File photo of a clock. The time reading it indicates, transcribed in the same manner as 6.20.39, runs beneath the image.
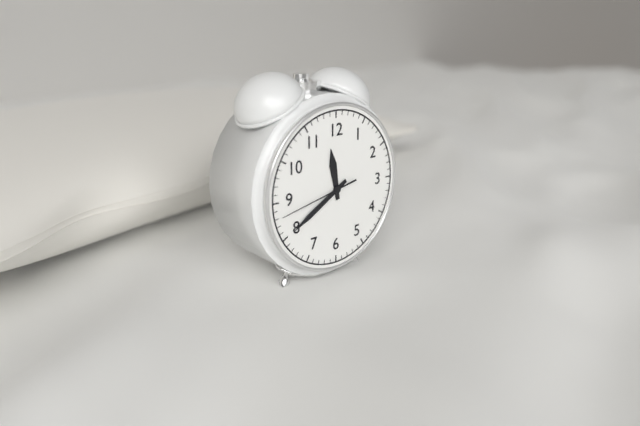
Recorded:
11.40.43
